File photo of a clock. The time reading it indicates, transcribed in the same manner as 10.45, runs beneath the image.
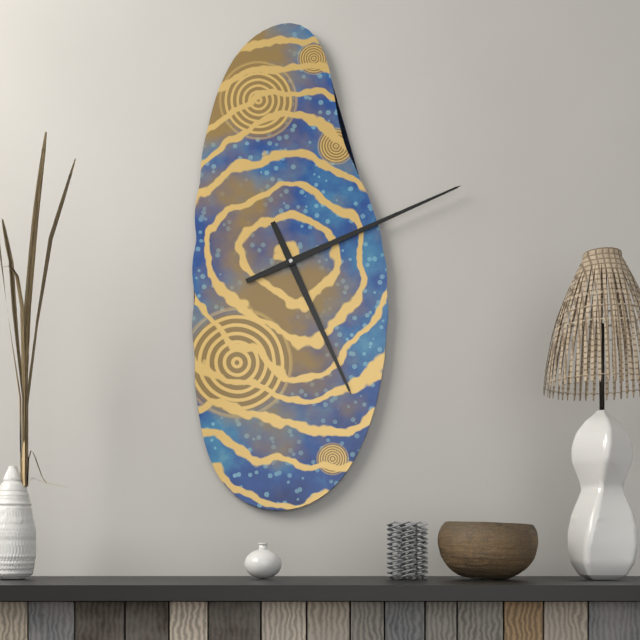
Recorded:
5.11
